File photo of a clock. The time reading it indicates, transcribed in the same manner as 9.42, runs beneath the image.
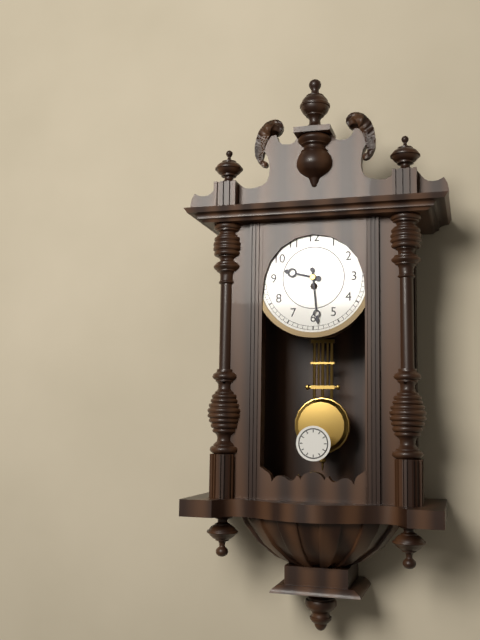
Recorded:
9.29
